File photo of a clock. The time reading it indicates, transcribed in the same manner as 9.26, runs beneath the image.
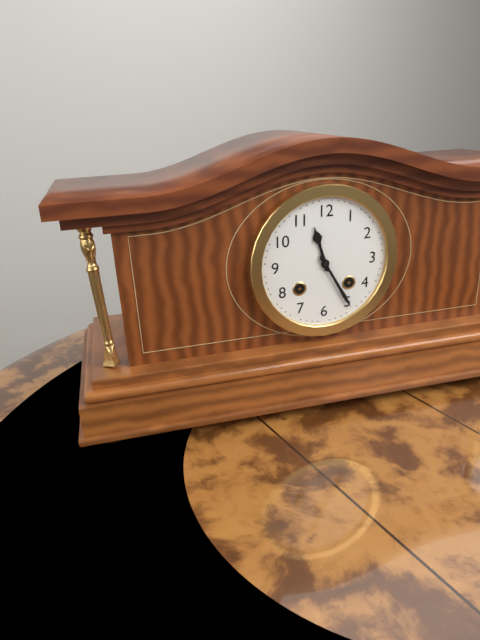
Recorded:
11.25
